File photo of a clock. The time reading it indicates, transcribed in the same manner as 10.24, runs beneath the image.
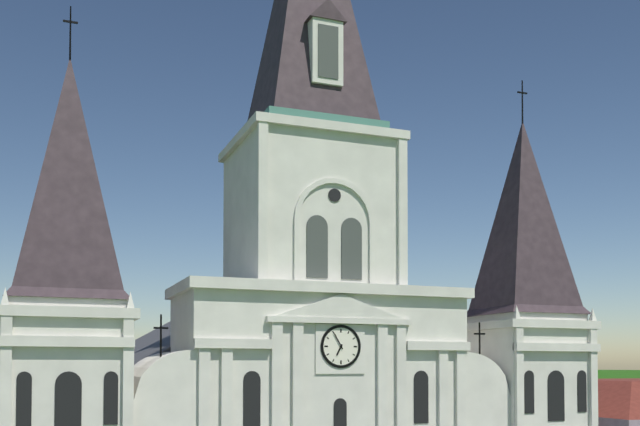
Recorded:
6.55
